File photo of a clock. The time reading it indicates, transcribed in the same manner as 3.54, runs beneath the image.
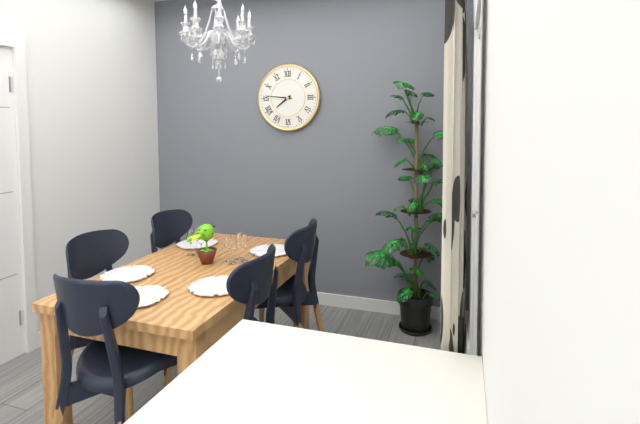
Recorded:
7.46
